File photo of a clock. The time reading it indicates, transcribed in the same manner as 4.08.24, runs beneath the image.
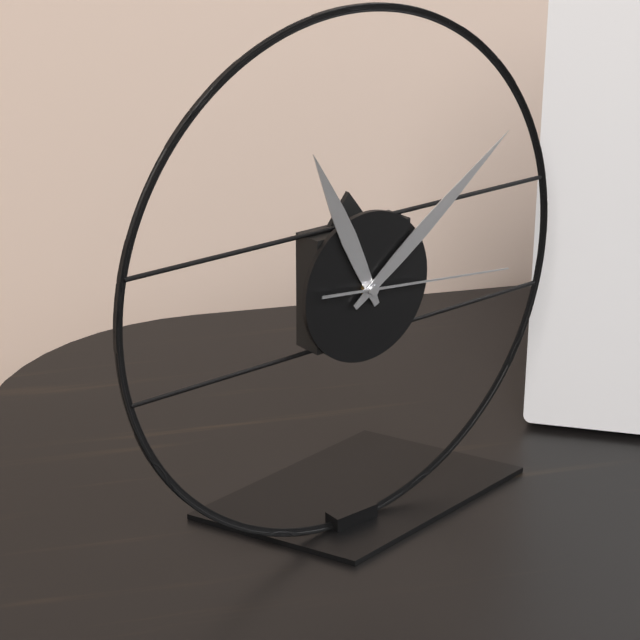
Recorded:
11.09.16
